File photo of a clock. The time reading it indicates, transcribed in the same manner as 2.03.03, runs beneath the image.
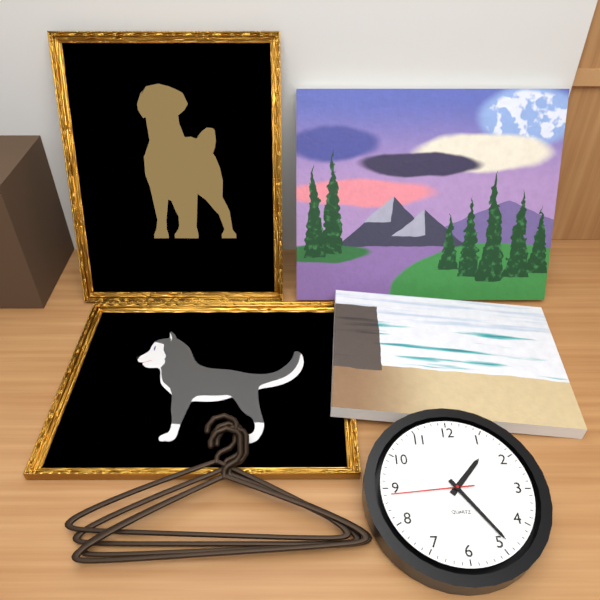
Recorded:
1.24.44
